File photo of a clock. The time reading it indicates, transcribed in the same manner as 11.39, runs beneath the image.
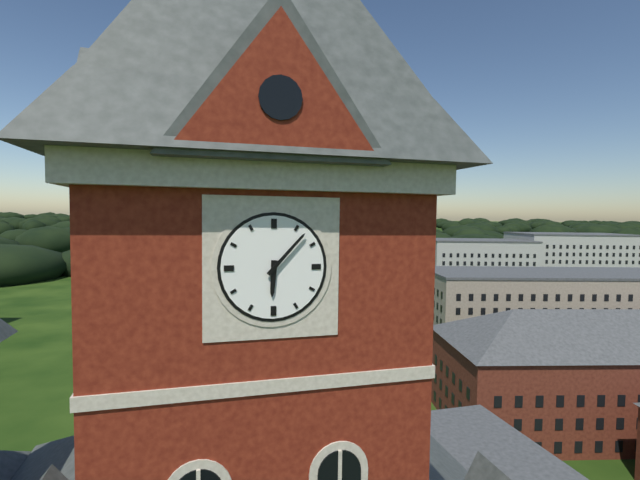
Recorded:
6.07
